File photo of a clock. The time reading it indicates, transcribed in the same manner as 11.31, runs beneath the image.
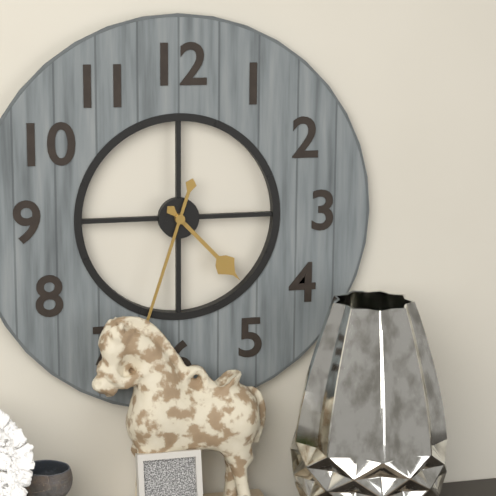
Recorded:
4.33
